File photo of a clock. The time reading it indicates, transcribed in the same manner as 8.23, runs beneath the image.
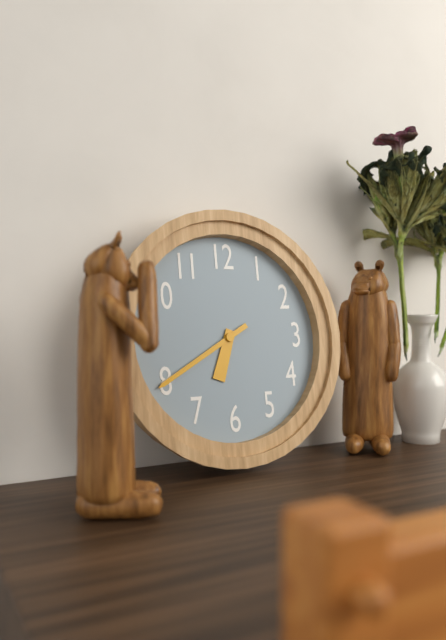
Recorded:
6.40
